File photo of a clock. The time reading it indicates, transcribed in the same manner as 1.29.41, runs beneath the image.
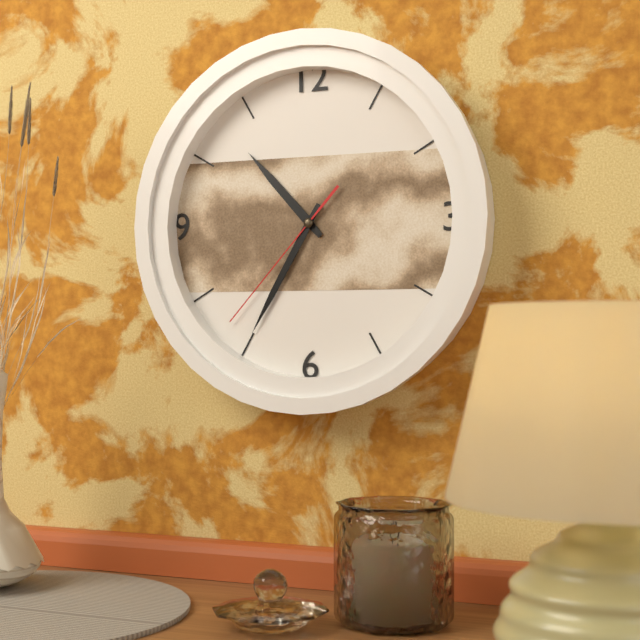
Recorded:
10.35.37
